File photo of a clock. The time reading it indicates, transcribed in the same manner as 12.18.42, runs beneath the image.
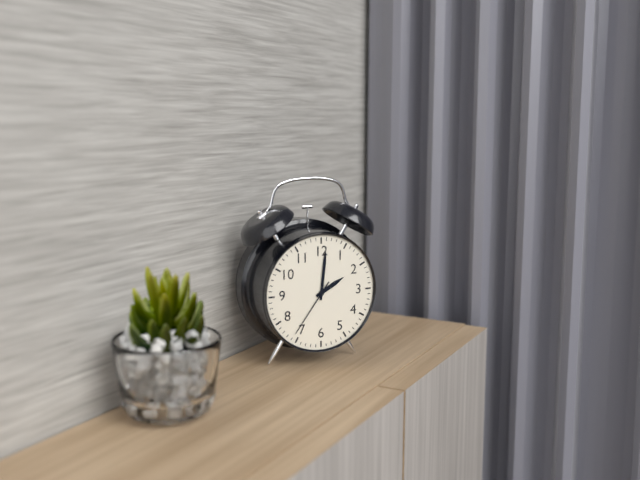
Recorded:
2.01.36
